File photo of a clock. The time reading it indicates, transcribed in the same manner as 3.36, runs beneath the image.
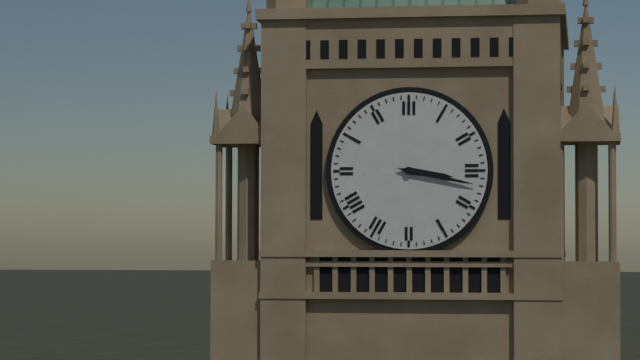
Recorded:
3.17
